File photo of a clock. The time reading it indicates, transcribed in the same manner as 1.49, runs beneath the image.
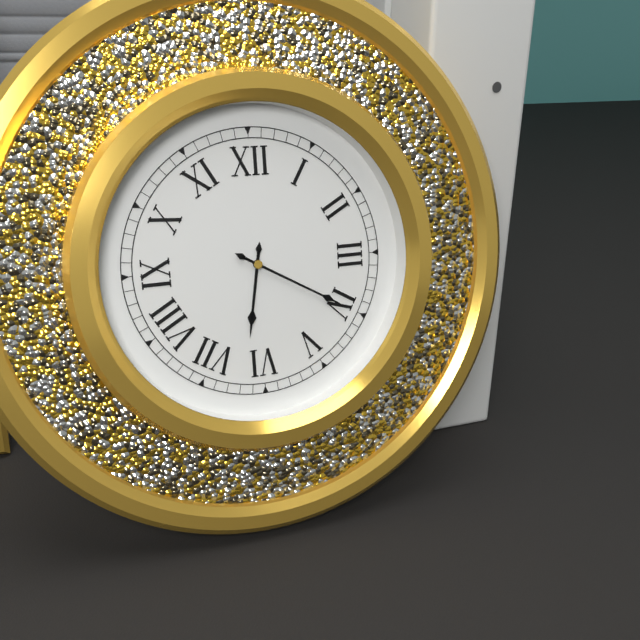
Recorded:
6.20
